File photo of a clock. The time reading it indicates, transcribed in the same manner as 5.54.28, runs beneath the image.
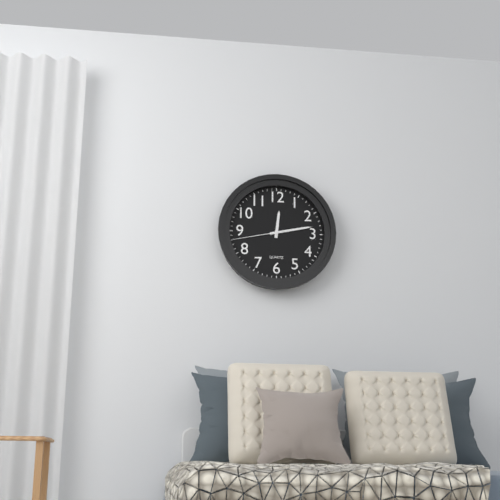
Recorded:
12.13.43
